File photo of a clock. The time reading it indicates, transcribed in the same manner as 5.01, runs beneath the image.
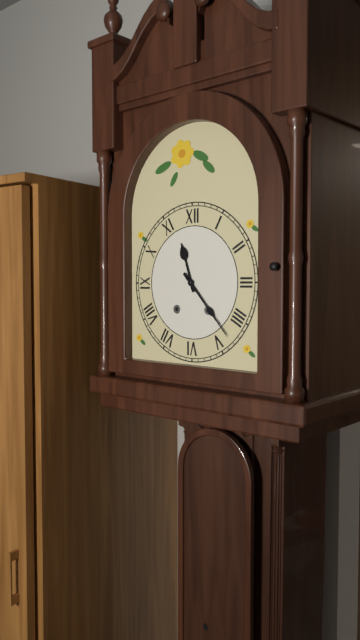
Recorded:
11.23
